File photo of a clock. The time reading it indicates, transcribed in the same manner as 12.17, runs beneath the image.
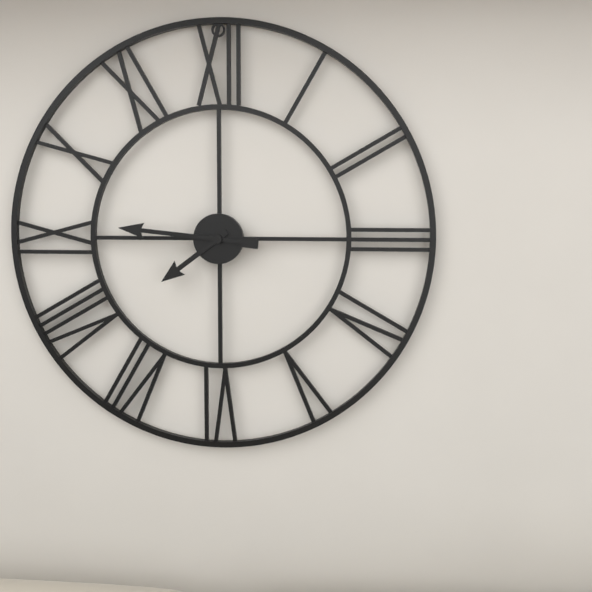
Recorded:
7.46
